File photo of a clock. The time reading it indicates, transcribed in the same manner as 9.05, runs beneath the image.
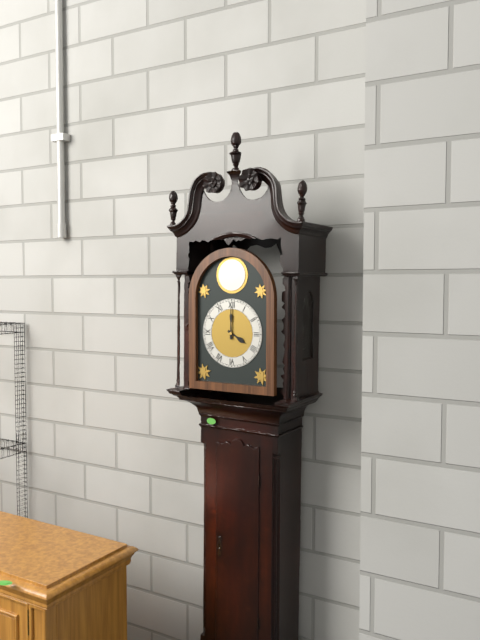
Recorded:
4.00
